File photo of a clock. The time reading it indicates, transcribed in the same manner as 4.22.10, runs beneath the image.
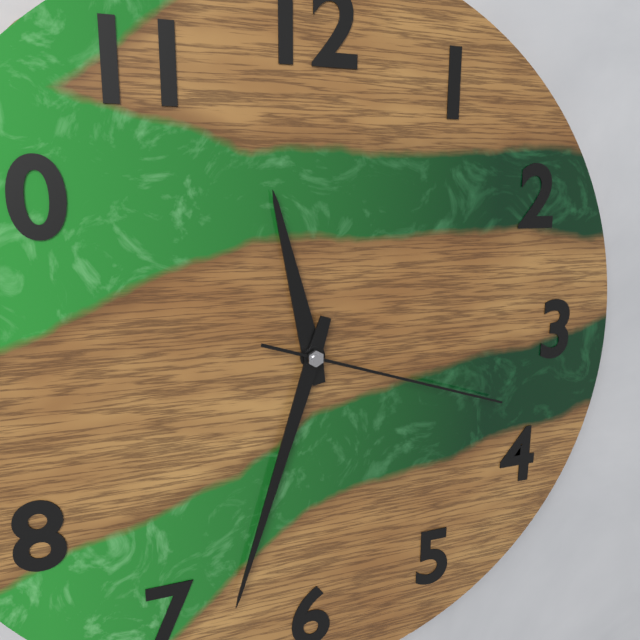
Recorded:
11.33.18
